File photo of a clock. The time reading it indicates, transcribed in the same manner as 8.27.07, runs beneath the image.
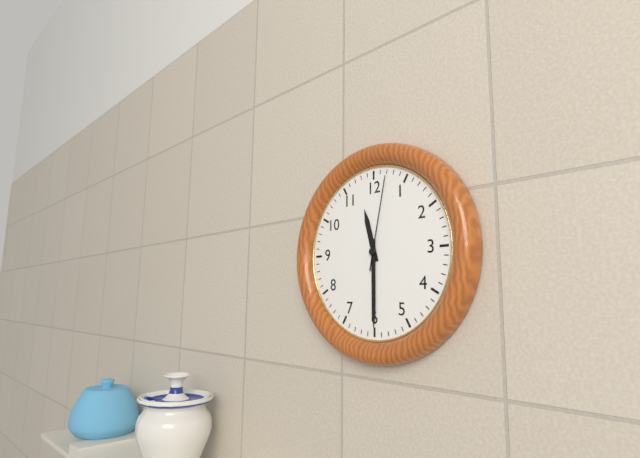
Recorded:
11.30.02
